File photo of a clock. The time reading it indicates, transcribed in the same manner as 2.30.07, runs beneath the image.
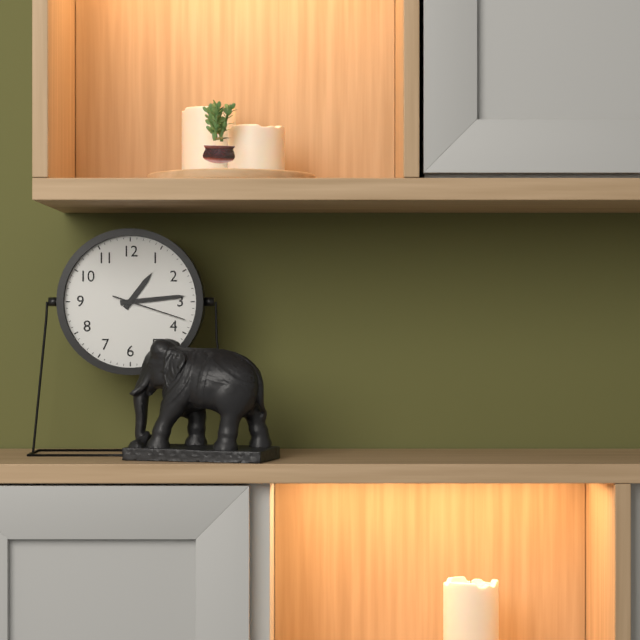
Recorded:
1.14.18
